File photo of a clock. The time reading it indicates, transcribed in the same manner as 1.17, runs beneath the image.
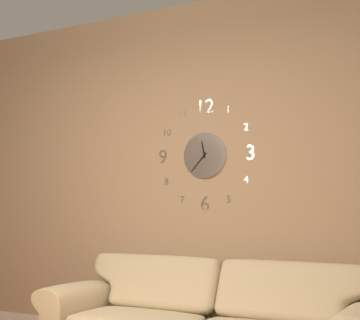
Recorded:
11.37
